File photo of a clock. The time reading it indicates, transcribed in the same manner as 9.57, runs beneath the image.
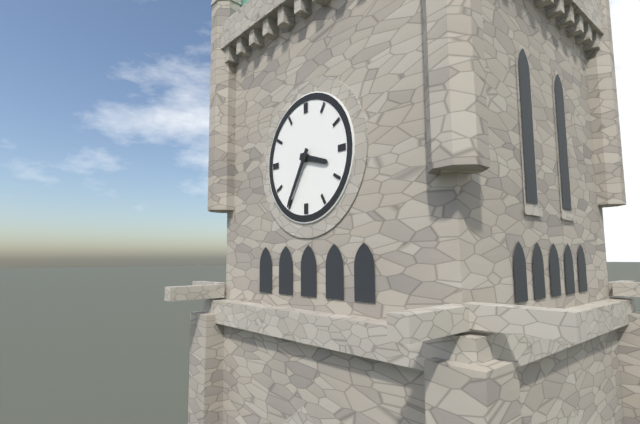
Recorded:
3.35
